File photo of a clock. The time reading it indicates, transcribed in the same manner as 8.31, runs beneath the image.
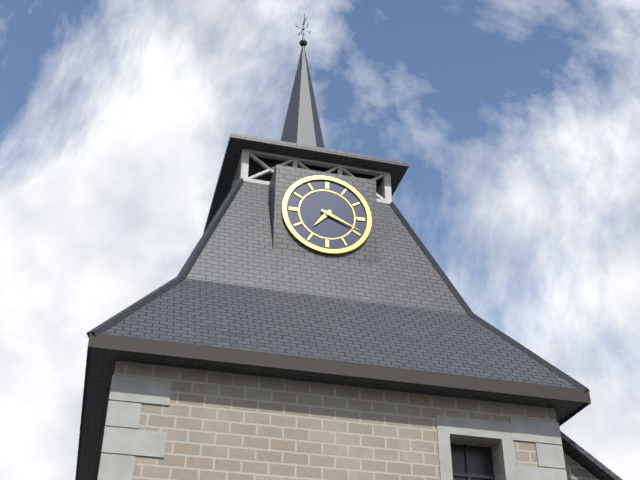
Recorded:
7.19
